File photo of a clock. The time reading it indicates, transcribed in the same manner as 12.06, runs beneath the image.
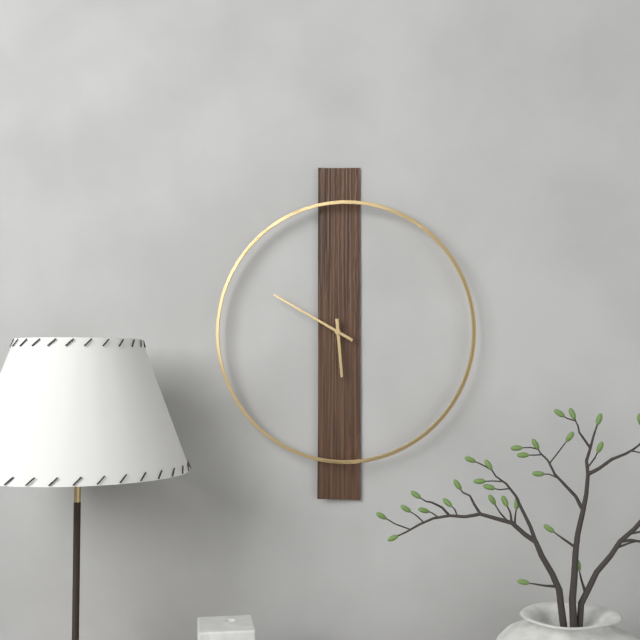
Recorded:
5.50
